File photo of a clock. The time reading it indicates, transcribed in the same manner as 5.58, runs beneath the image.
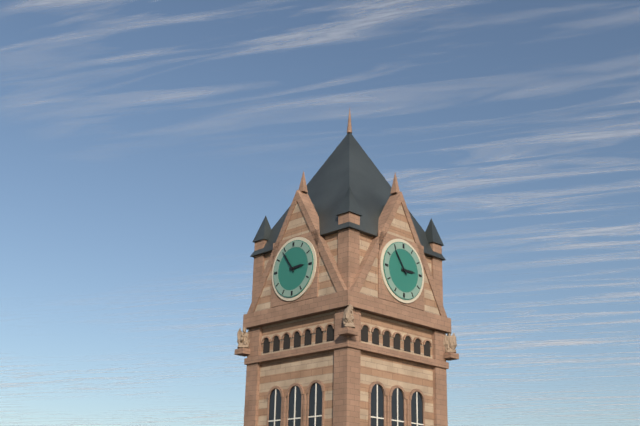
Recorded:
2.54
